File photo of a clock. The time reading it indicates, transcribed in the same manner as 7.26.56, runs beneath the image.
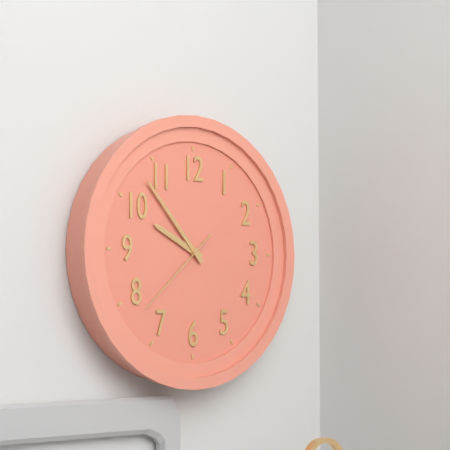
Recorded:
9.53.38
